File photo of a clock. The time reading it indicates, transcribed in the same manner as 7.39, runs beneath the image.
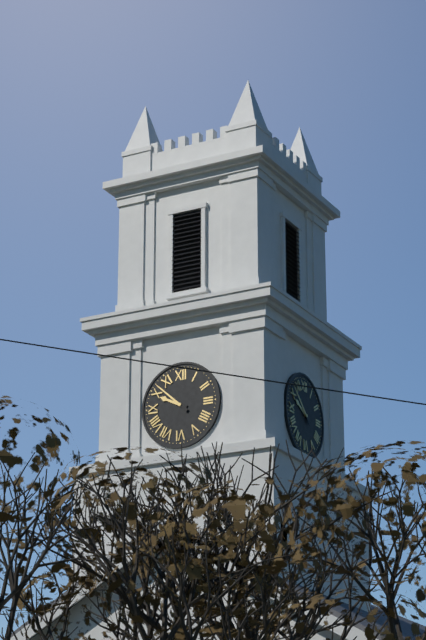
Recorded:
9.52
